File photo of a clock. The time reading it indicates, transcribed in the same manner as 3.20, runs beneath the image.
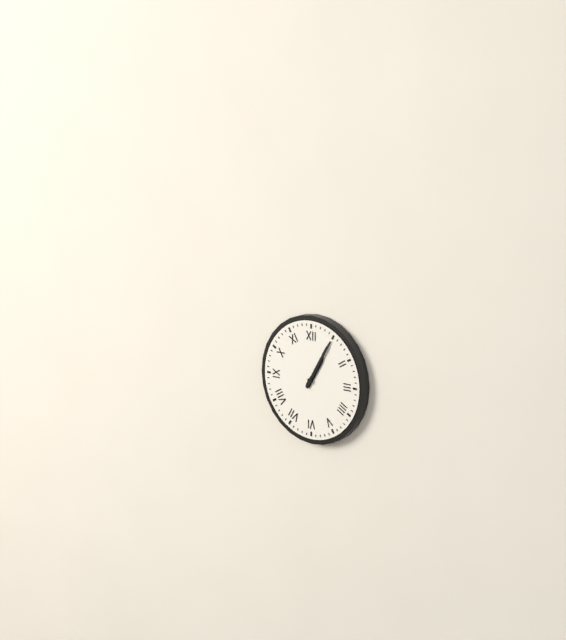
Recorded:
1.05
